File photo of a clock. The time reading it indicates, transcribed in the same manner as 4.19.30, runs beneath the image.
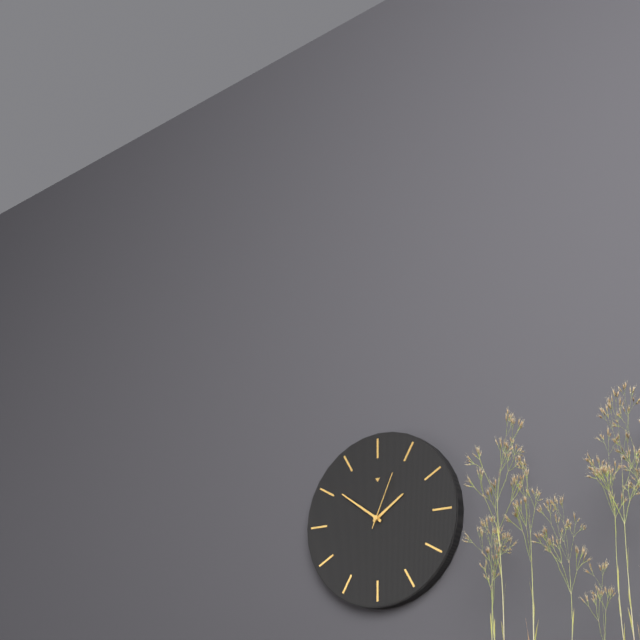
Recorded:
1.51.04
